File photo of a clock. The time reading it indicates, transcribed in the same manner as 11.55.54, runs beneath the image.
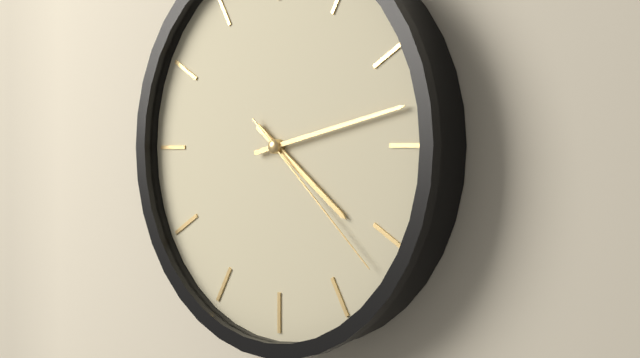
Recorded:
4.13.22
